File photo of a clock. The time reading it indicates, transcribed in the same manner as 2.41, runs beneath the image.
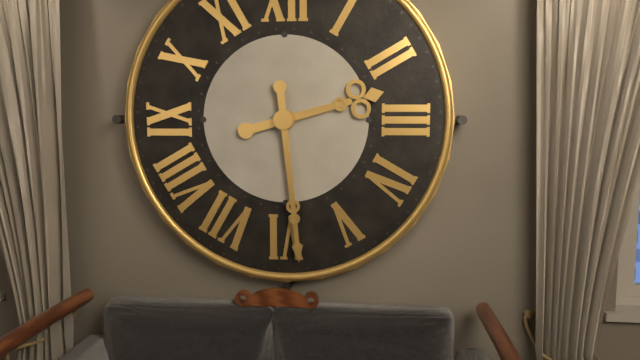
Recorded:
2.29
